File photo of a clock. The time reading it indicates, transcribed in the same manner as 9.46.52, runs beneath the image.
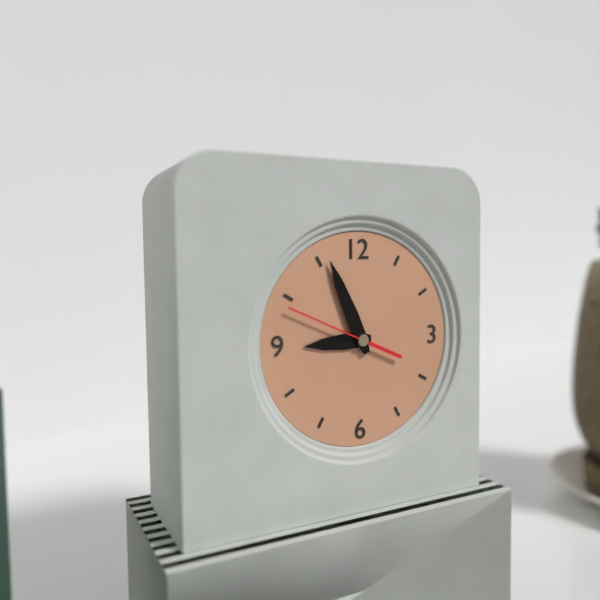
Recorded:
8.56.49
